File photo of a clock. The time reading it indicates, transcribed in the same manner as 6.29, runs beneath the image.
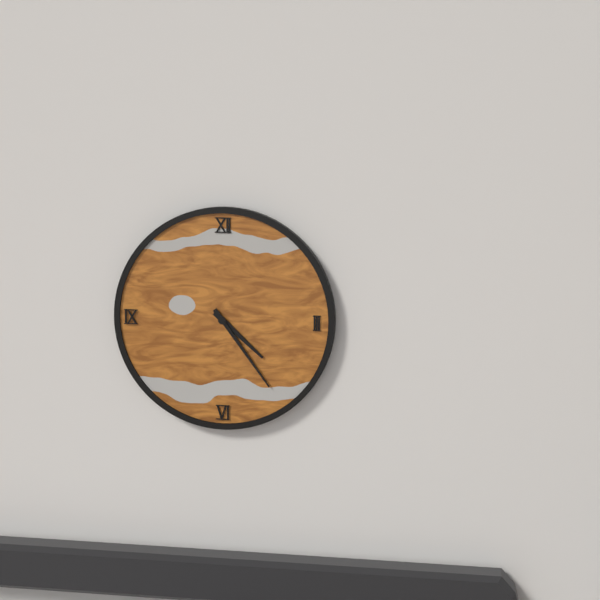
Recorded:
4.24
